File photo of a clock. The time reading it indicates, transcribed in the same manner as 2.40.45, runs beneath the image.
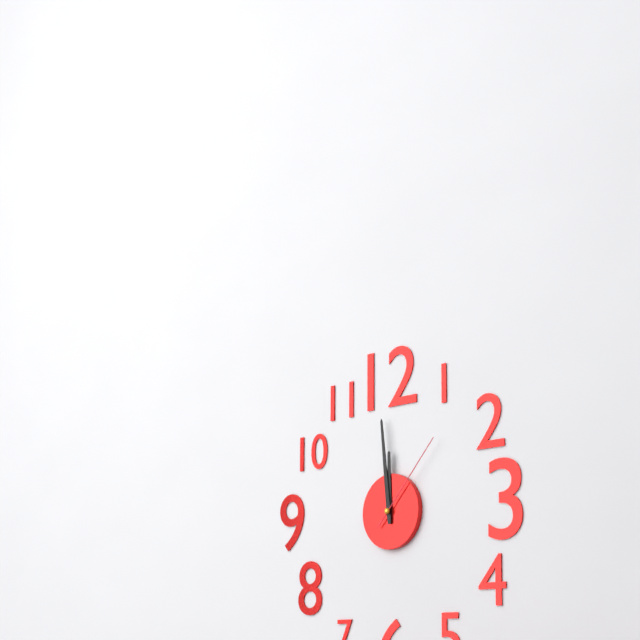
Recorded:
11.59.07
